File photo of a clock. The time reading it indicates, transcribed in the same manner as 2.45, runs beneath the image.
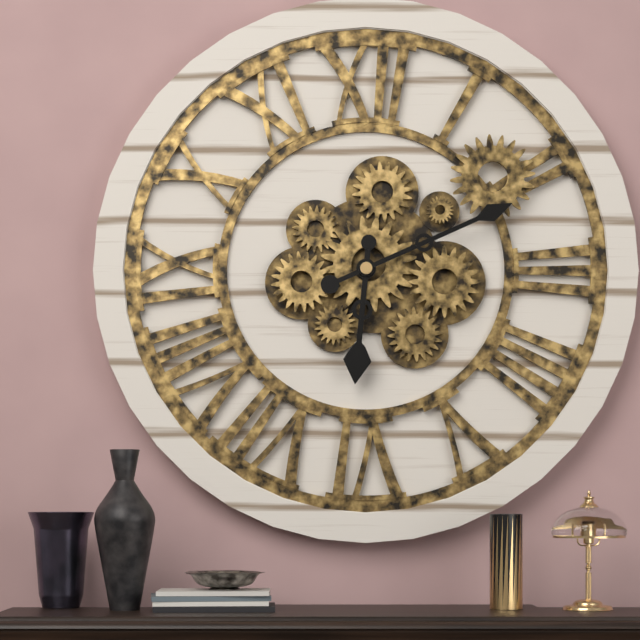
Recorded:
6.11
